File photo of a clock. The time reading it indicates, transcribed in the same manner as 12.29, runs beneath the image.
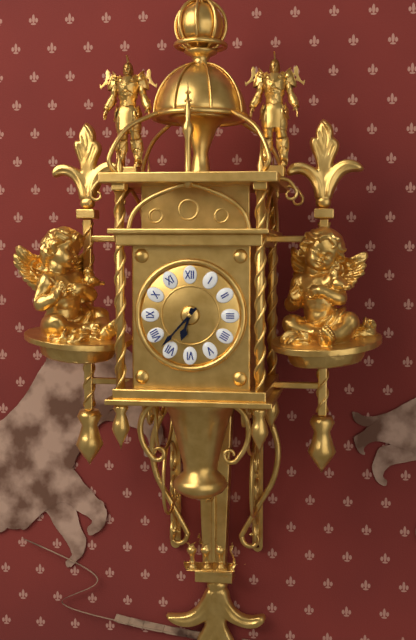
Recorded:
6.37
